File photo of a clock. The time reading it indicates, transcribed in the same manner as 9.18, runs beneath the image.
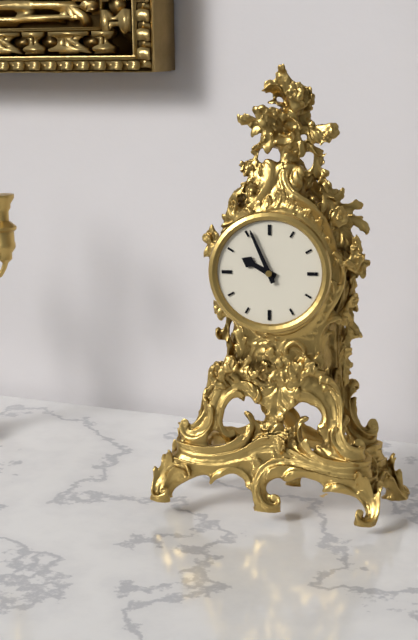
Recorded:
9.56
